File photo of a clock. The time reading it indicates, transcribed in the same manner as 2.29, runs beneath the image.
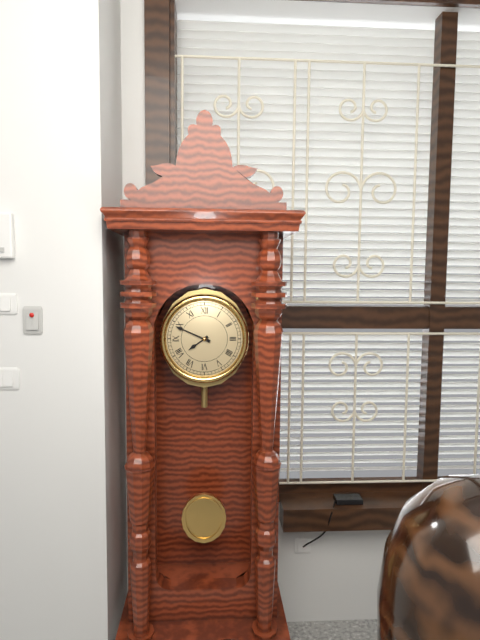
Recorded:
7.49
